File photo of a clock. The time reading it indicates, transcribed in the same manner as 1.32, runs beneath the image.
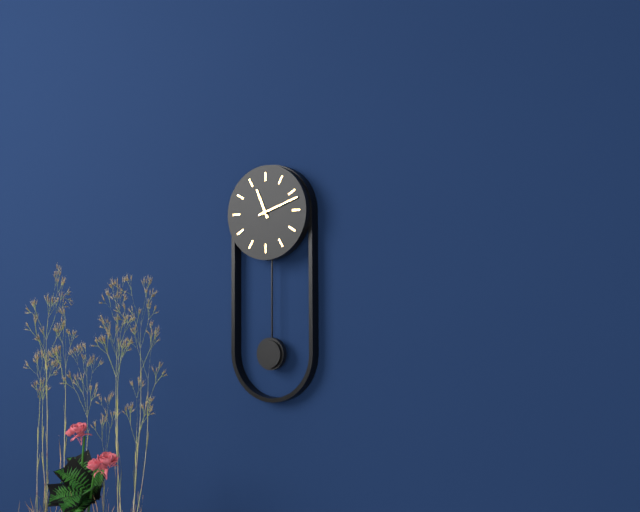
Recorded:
11.12
